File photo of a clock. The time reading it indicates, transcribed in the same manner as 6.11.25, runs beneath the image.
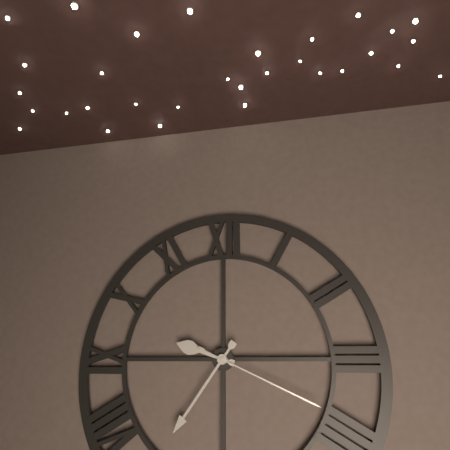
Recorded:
9.36.19
